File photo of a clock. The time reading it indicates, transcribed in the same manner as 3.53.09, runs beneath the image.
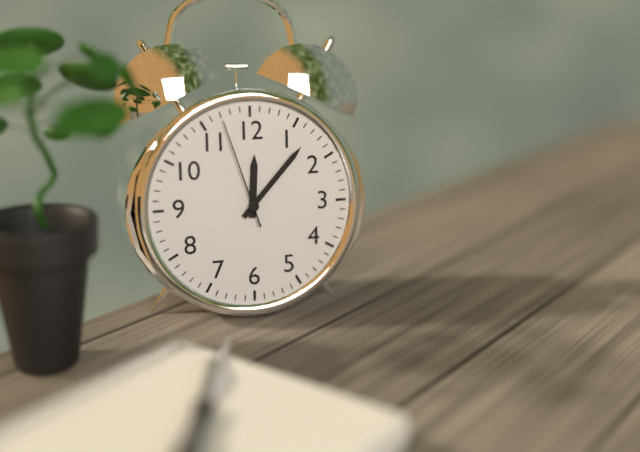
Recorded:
12.07.57
